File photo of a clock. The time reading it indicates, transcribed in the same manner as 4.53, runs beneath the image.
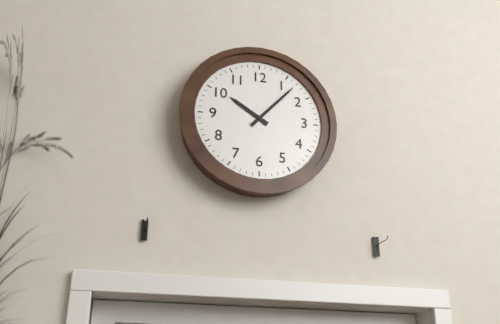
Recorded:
10.07
